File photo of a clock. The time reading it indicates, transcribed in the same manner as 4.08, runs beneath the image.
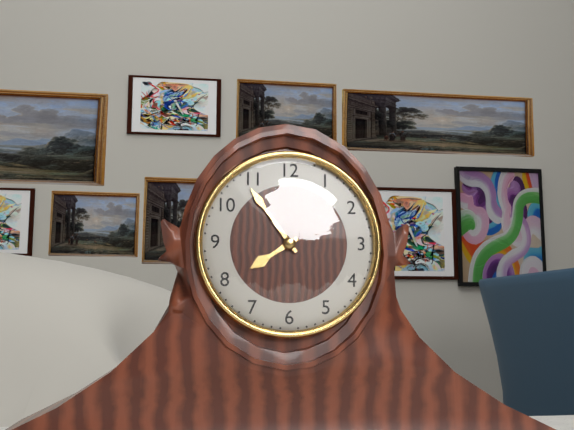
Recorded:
7.54
